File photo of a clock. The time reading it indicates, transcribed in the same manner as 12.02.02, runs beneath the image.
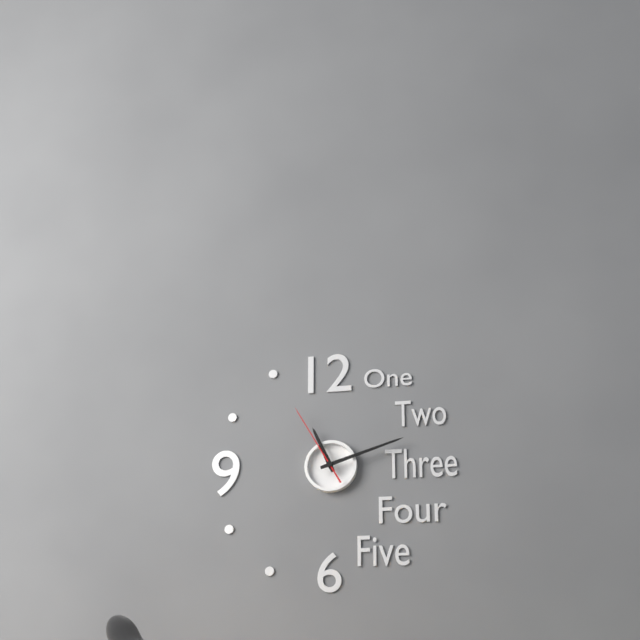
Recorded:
11.12.55
